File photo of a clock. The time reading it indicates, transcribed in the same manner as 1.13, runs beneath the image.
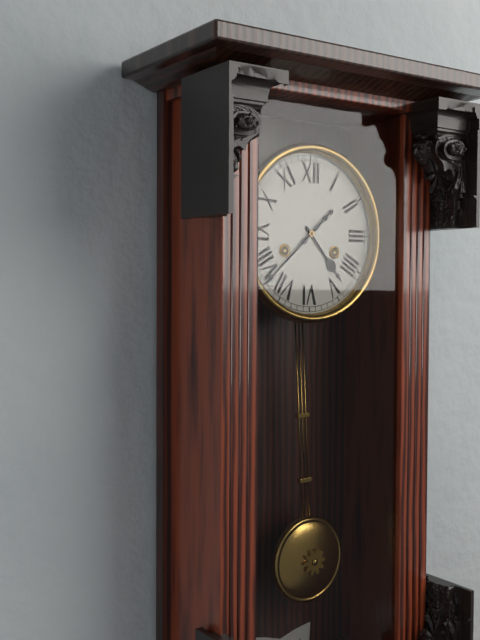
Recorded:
4.38
